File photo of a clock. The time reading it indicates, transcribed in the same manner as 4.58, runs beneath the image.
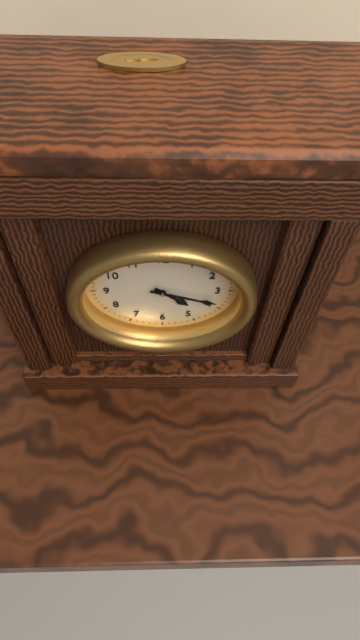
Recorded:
4.18
